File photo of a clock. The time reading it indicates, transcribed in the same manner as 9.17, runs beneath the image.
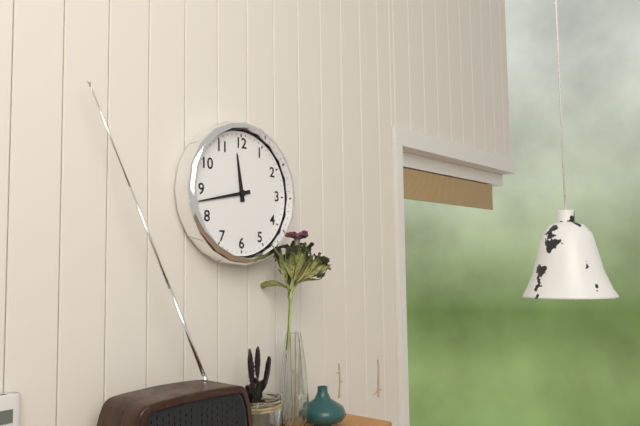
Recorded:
11.43
